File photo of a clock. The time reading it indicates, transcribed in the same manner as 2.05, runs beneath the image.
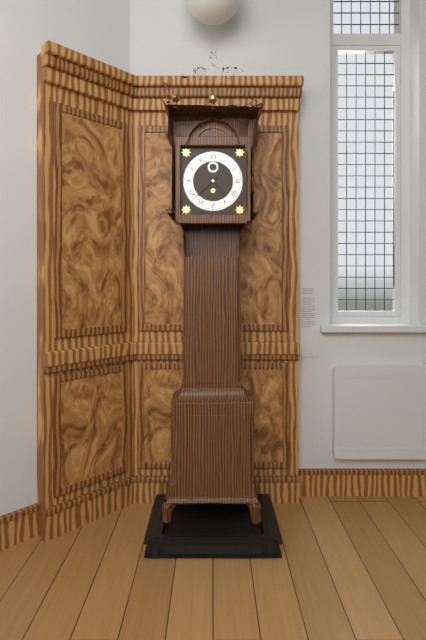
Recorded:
4.38
